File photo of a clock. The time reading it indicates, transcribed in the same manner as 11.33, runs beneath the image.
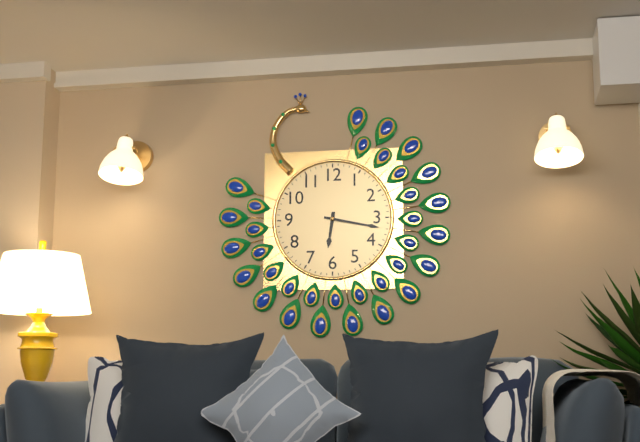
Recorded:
6.17
